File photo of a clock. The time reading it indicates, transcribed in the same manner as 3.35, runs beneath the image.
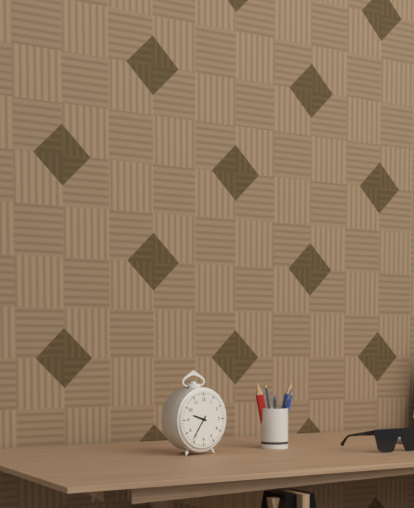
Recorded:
9.36
